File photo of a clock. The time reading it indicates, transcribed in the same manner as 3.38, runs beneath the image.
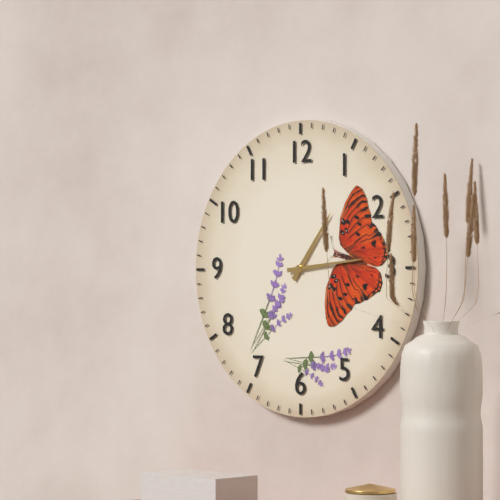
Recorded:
1.14
